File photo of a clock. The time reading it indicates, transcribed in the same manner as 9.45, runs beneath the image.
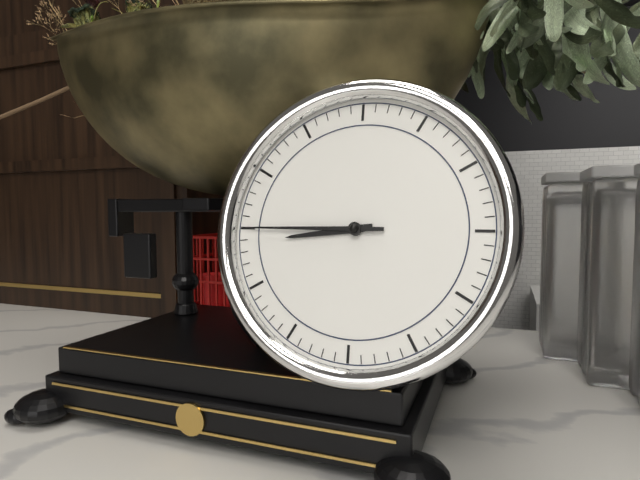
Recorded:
8.45
